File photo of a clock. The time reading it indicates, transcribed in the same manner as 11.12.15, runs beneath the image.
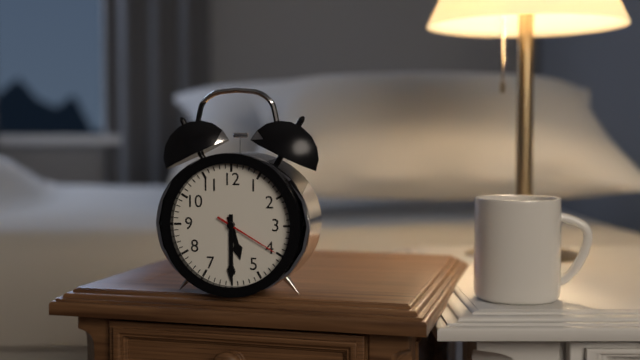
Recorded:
5.30.20
